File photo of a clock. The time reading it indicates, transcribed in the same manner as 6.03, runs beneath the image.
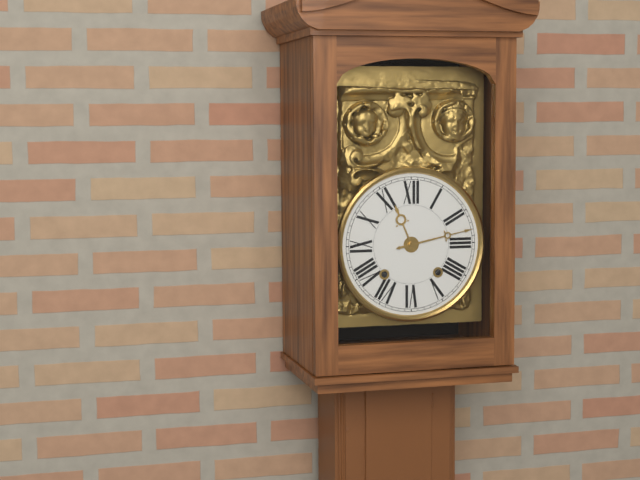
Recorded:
11.13
